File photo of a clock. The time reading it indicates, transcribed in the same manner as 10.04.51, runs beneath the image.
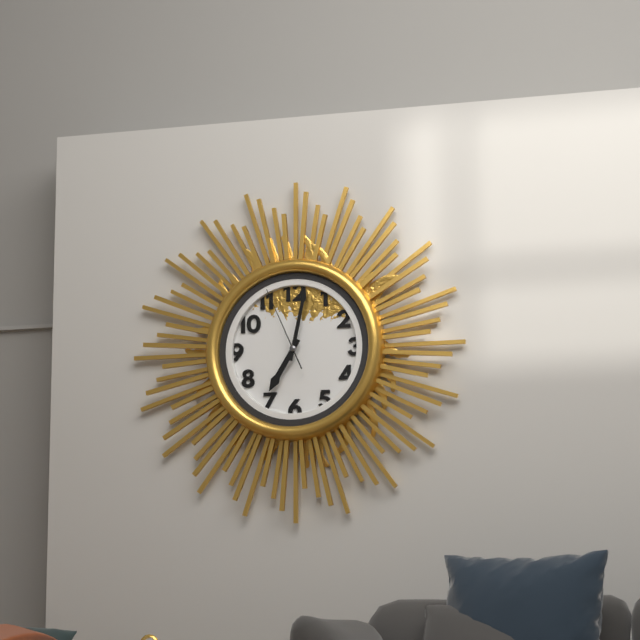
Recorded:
7.02.56
